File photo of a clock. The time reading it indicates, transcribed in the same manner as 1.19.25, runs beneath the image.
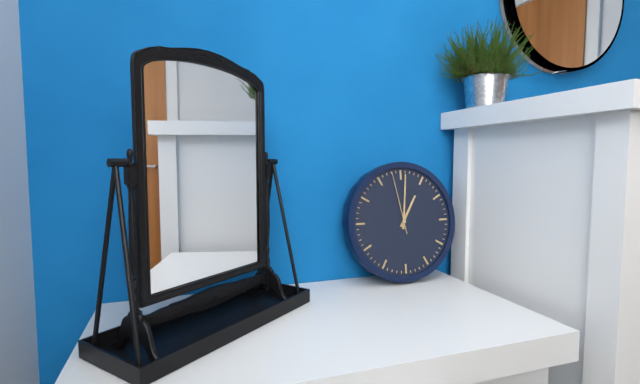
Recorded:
1.01.58
